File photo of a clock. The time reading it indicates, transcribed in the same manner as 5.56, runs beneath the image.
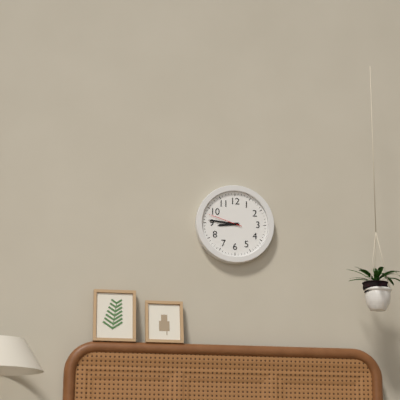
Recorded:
8.46
